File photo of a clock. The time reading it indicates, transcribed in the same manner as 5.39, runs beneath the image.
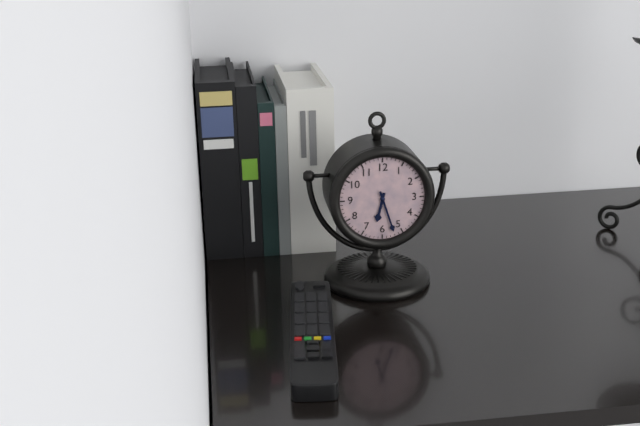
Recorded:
6.27
